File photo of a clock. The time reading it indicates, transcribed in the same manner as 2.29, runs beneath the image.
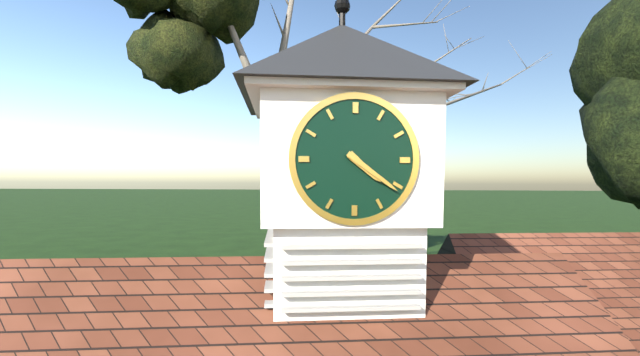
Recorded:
4.21
